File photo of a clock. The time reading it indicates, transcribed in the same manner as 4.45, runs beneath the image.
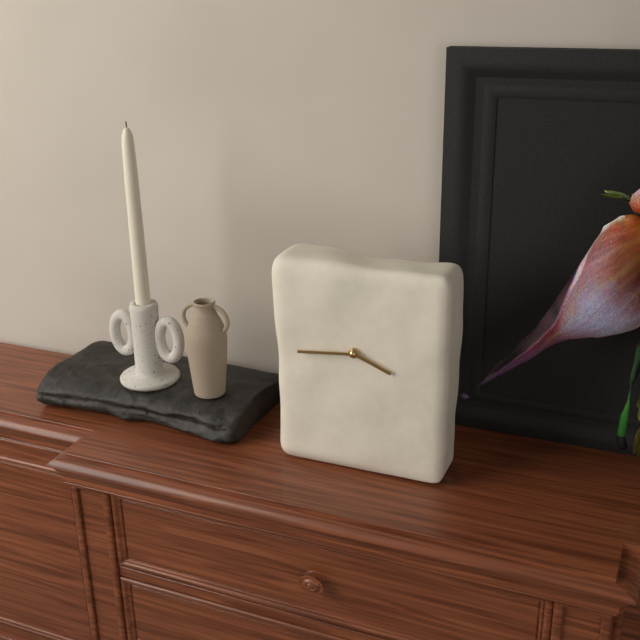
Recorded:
3.44
